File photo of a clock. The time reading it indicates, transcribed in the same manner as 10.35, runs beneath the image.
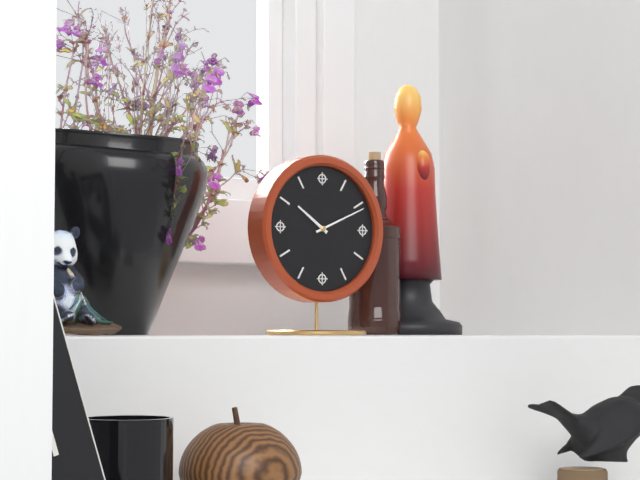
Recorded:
10.11
